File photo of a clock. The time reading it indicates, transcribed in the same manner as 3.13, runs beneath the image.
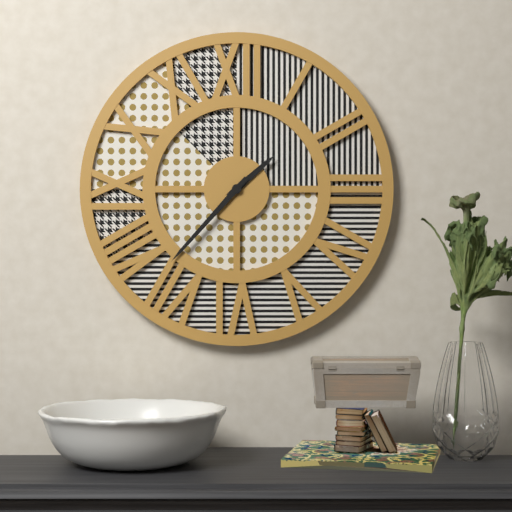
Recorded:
1.37
